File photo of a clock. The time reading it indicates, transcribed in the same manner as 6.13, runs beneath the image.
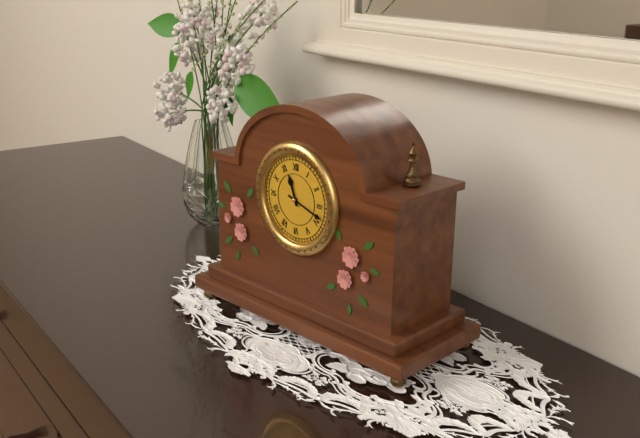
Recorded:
11.18
